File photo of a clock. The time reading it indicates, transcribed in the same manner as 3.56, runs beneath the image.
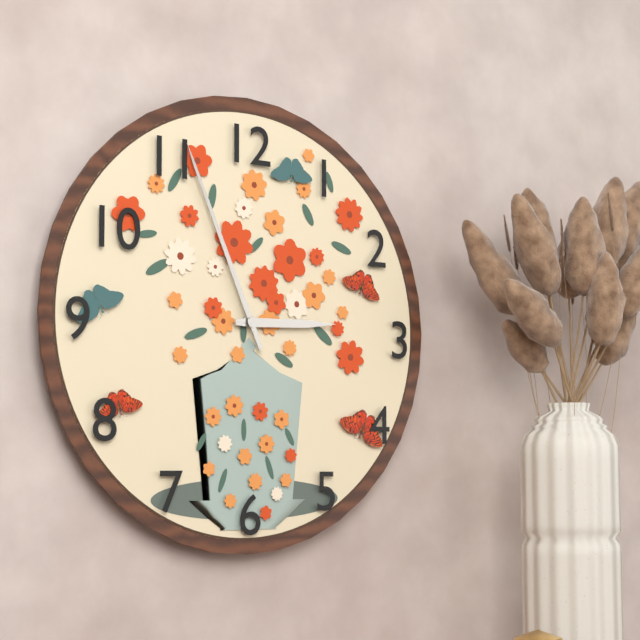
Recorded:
2.56
